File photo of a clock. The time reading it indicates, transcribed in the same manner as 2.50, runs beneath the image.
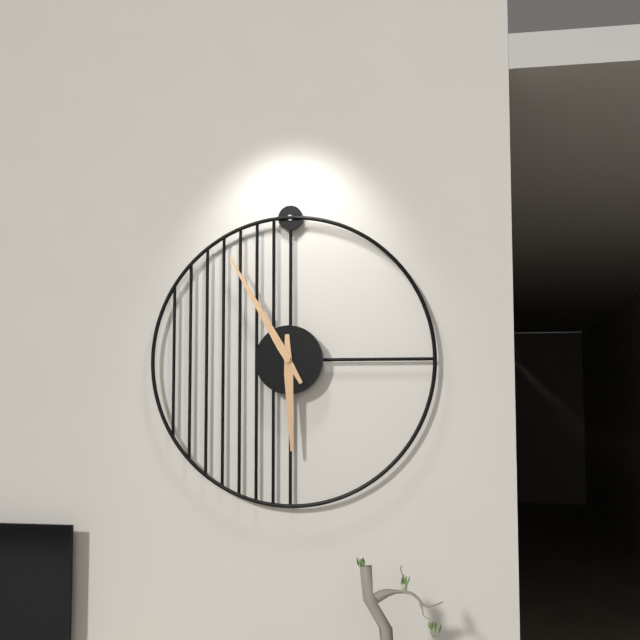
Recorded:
5.55
